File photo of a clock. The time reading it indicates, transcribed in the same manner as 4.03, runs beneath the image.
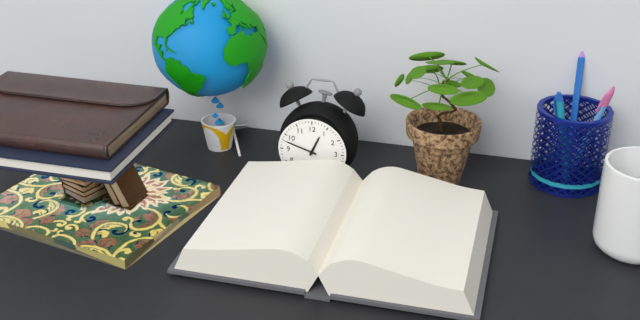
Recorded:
12.48
